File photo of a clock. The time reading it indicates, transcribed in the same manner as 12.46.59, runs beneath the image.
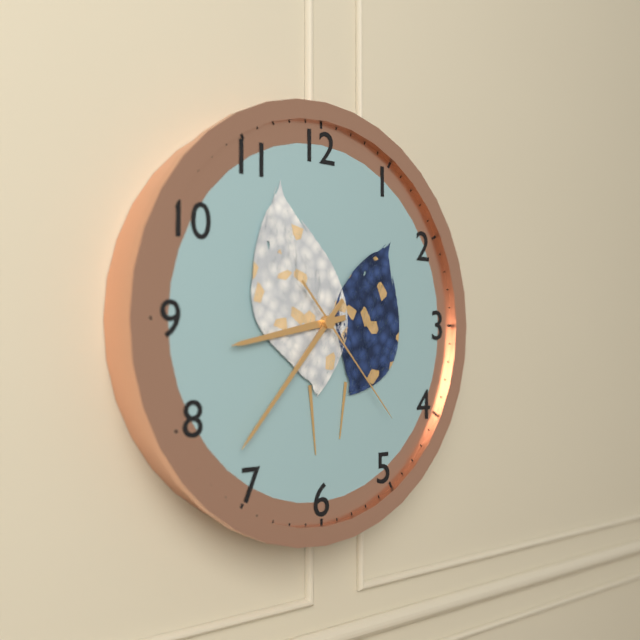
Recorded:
8.37.23
